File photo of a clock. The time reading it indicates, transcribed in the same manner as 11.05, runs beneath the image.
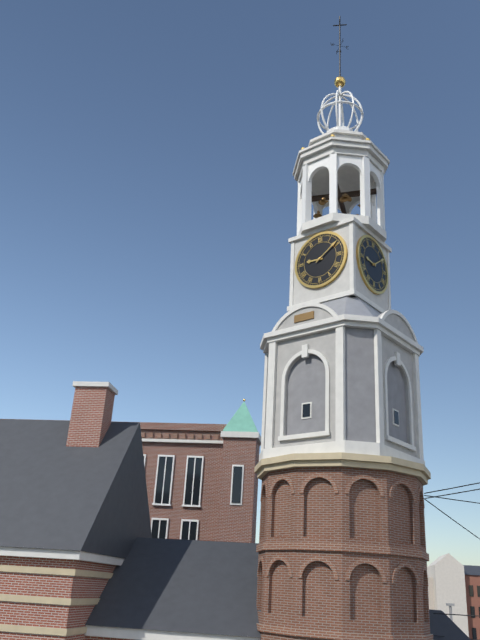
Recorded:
9.09
